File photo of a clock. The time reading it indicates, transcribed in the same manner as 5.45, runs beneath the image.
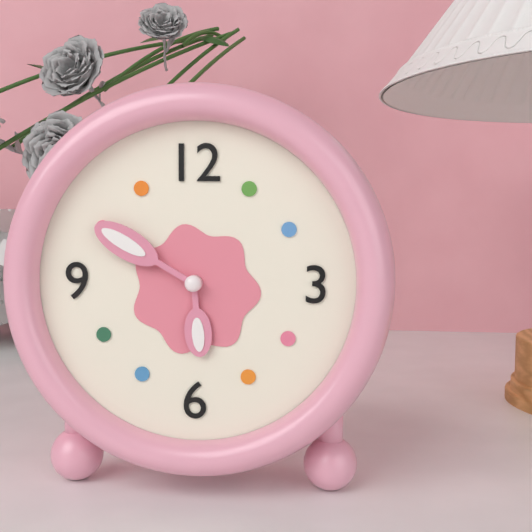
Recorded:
5.50
